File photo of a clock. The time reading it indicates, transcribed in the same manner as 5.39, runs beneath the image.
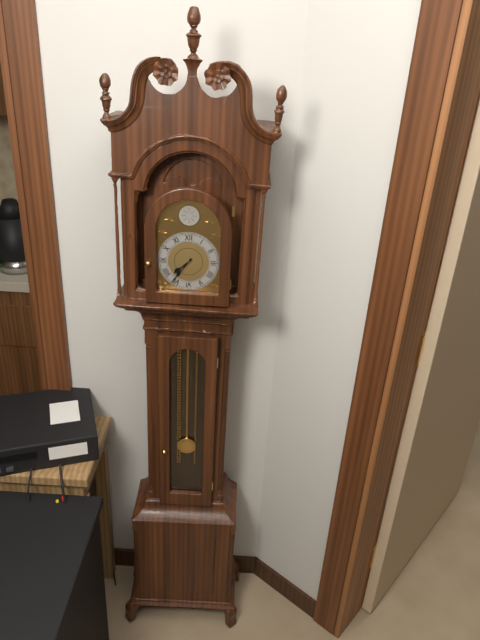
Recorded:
7.36
